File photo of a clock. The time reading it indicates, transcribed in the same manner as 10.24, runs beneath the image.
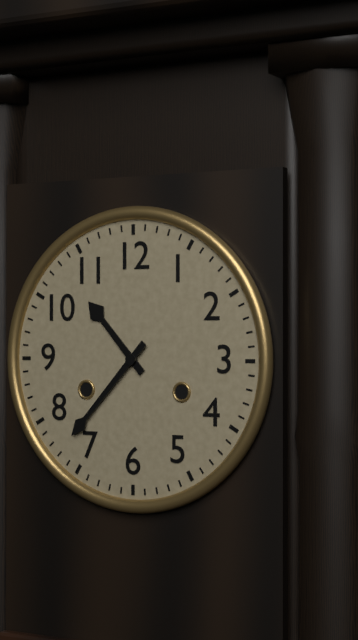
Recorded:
10.37
